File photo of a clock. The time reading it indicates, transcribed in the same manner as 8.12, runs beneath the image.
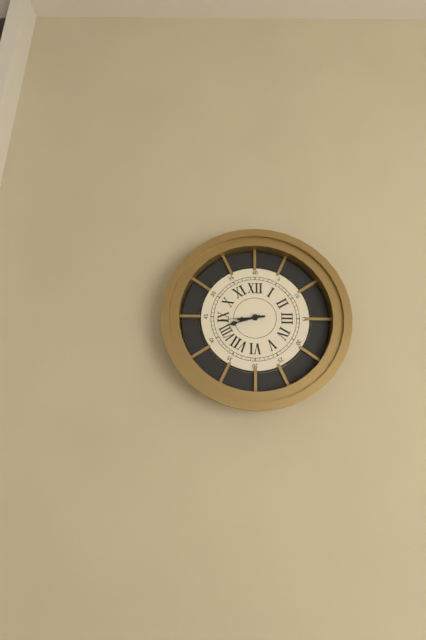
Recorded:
8.42
